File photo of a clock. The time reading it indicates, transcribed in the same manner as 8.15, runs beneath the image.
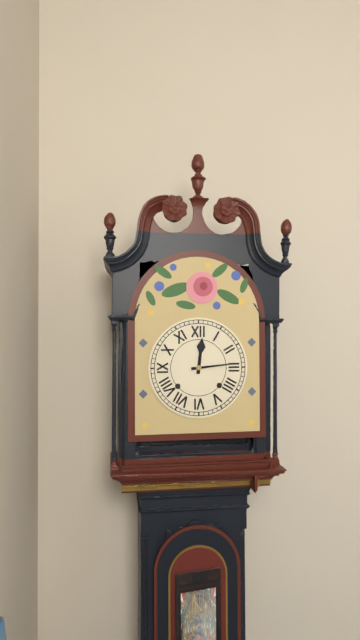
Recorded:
12.14
